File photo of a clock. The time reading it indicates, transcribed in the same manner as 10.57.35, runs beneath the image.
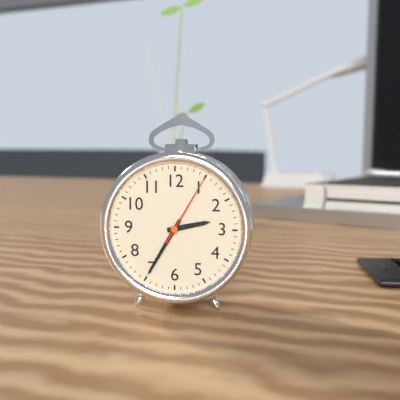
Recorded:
2.35.05
